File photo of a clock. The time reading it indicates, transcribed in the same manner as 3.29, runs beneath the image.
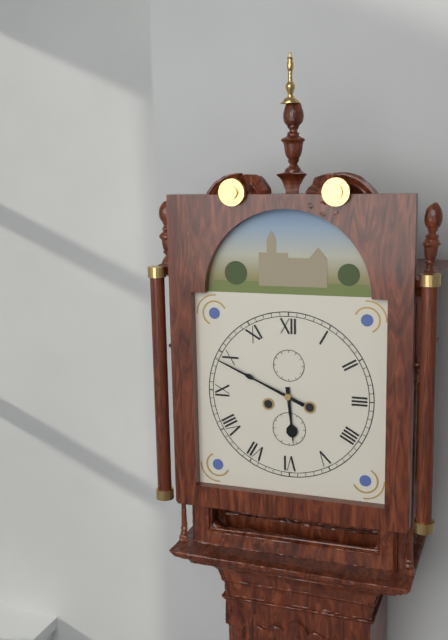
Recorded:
5.49
